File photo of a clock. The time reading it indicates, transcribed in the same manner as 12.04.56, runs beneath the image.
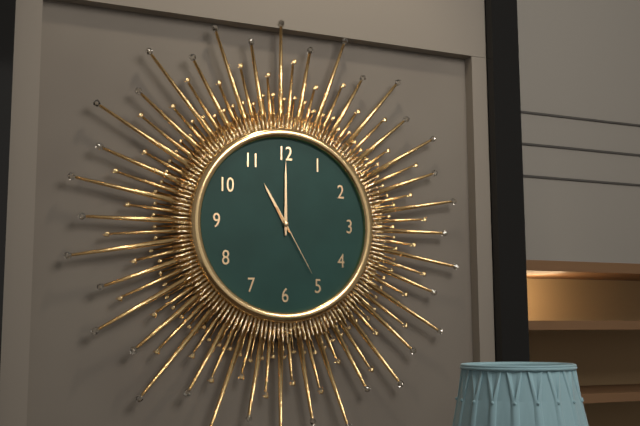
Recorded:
11.00.25
